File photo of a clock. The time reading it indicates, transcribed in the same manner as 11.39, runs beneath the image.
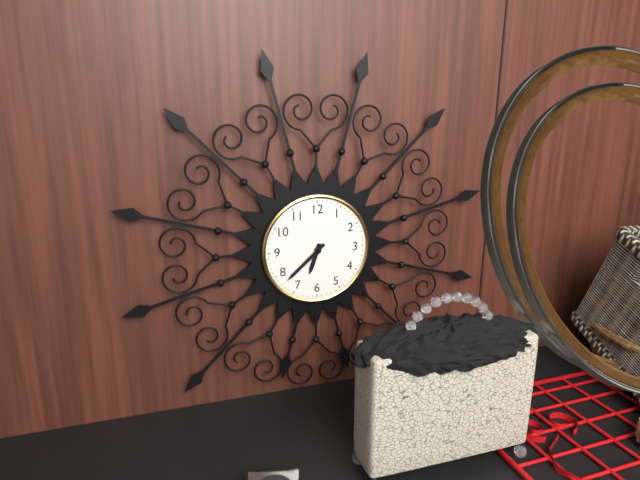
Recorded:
6.38
